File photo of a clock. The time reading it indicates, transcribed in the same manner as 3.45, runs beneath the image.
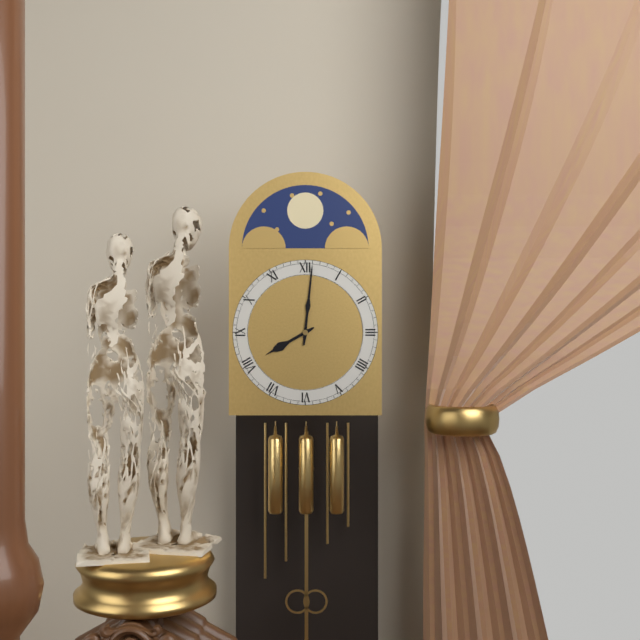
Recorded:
8.01
